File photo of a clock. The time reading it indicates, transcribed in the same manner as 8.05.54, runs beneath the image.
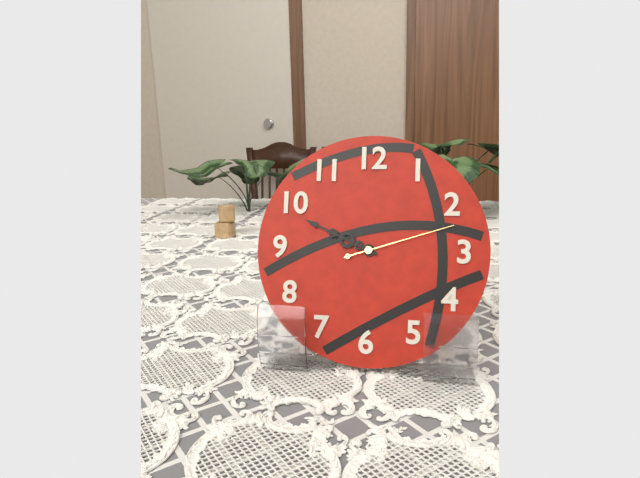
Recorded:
9.49.12
